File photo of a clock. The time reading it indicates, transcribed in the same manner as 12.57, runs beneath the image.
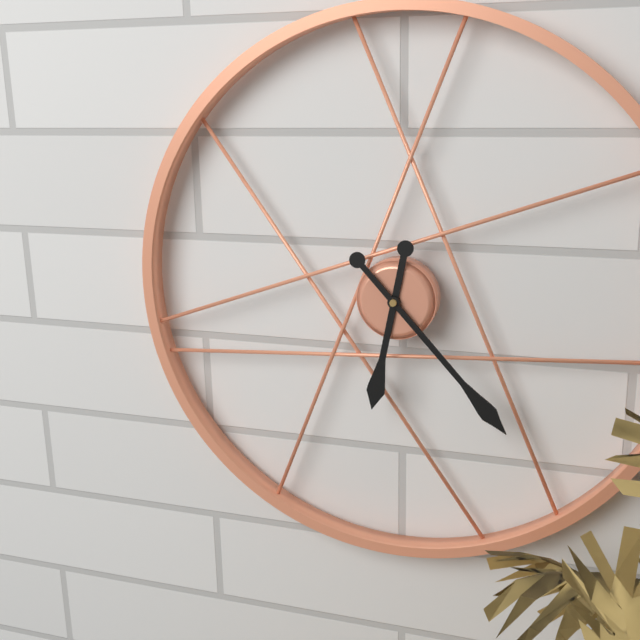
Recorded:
6.23
